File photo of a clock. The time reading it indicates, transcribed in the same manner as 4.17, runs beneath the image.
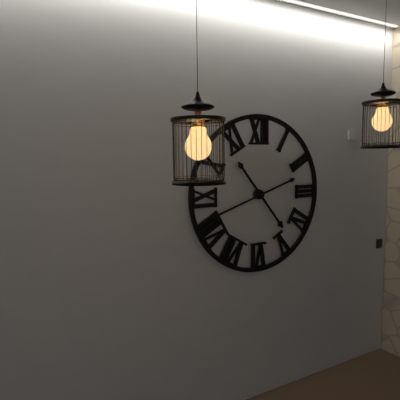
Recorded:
4.42
